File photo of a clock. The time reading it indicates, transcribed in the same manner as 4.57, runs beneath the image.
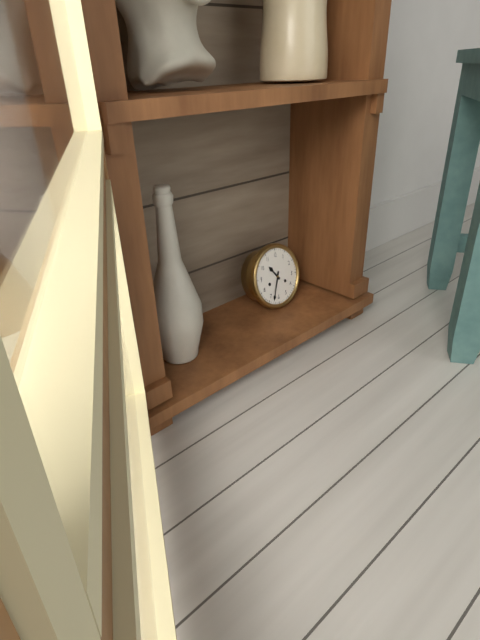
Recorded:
10.33
